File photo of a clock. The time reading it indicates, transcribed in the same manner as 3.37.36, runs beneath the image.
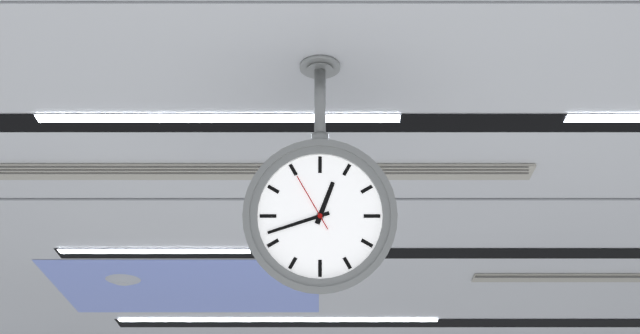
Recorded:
12.42.55
